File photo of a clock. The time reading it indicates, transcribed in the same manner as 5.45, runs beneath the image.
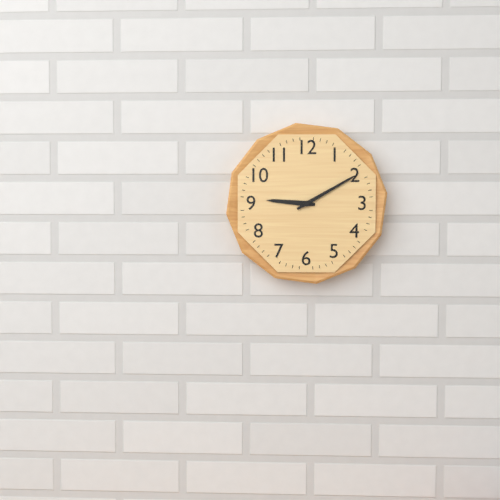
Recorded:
9.10
